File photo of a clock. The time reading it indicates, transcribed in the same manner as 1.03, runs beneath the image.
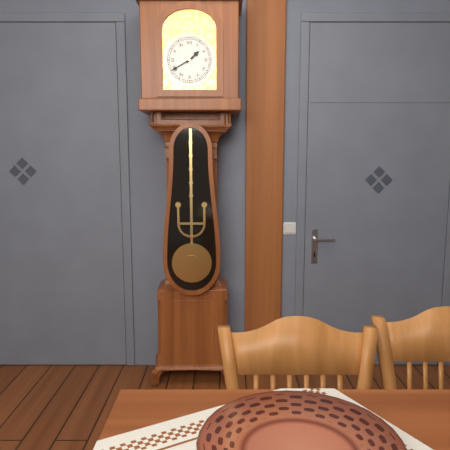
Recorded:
1.40
